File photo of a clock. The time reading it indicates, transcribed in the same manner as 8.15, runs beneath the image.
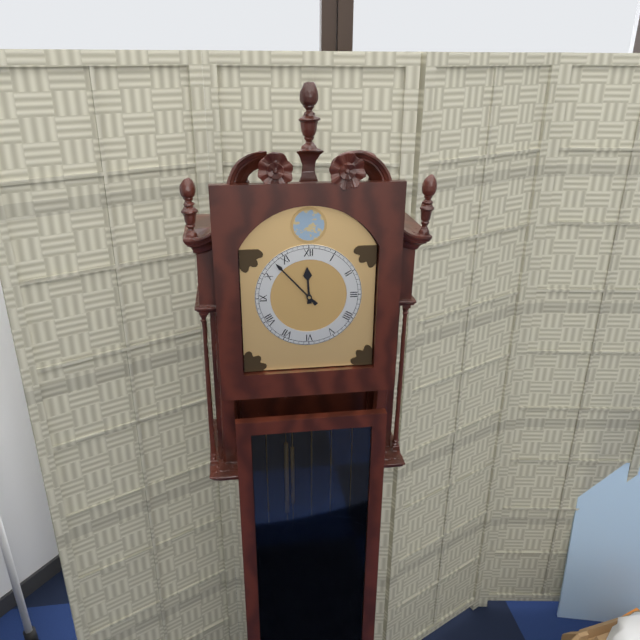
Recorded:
11.53
